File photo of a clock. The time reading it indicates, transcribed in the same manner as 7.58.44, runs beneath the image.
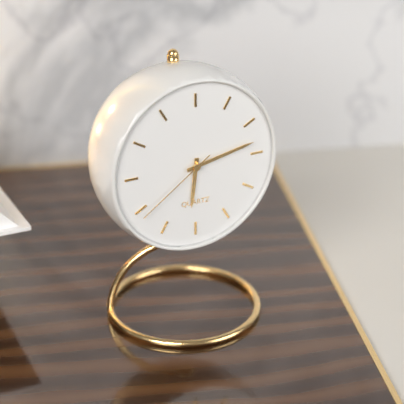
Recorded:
6.13.39
